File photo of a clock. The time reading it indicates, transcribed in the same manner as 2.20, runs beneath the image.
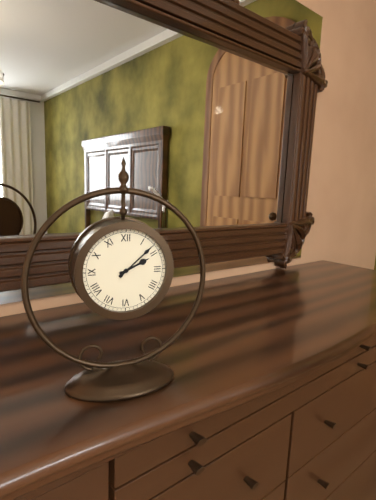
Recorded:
2.08
